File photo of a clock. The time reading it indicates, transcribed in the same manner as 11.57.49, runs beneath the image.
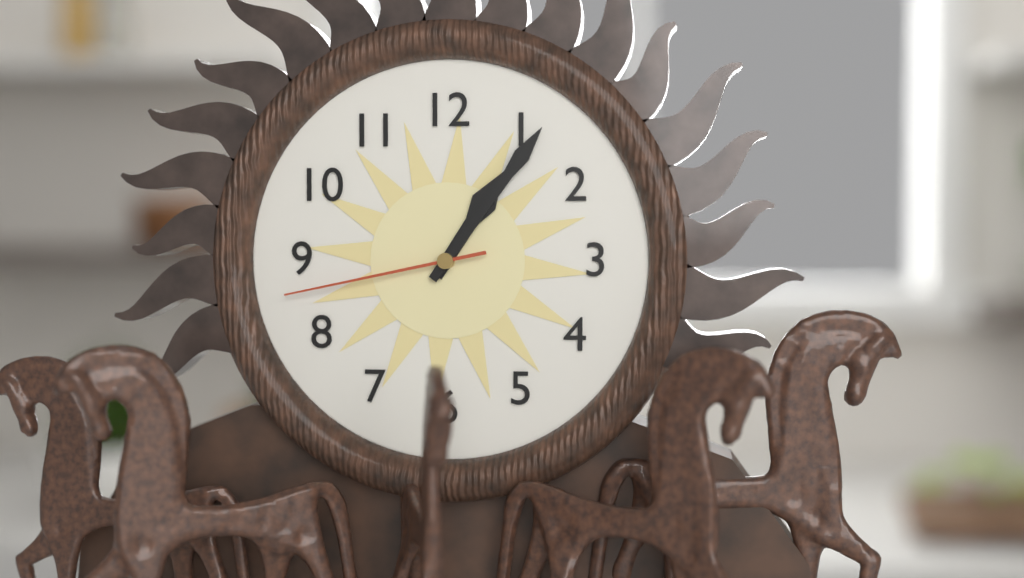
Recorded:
1.06.43
